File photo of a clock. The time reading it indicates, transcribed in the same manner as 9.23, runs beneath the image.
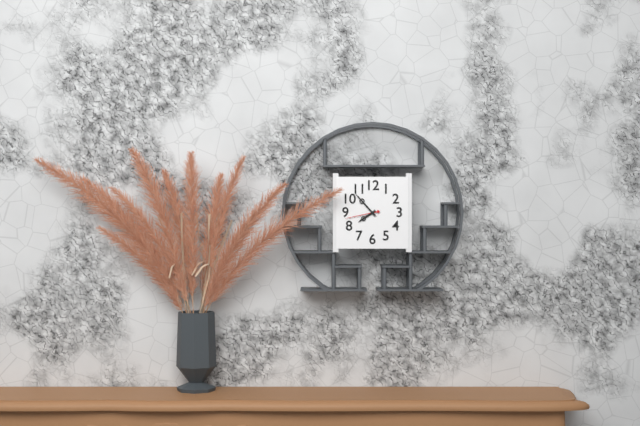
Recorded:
7.53
